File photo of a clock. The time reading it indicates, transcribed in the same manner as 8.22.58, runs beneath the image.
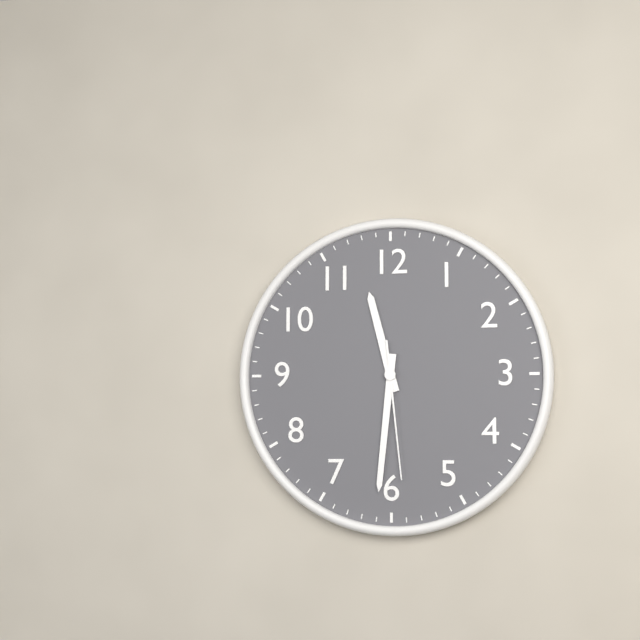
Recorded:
11.31.29
